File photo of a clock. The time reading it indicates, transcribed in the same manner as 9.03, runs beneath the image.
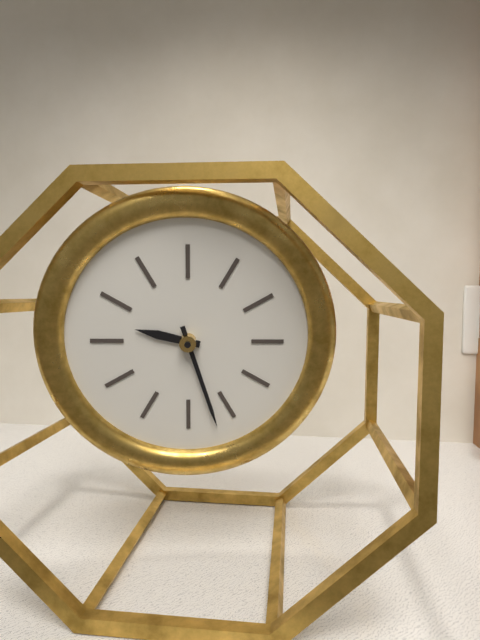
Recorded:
9.27
